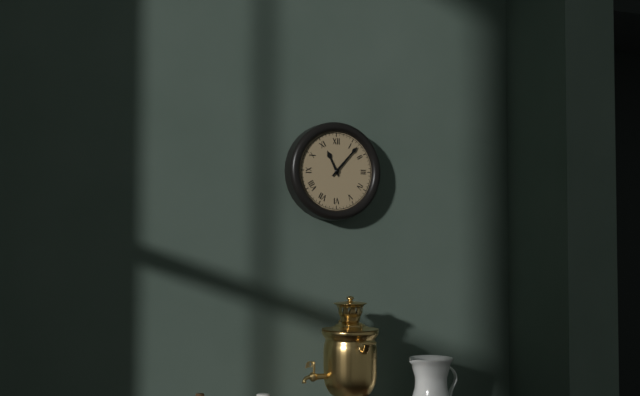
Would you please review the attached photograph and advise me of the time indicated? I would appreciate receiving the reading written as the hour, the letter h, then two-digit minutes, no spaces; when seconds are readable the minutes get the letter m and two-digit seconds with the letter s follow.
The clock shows 11h07
